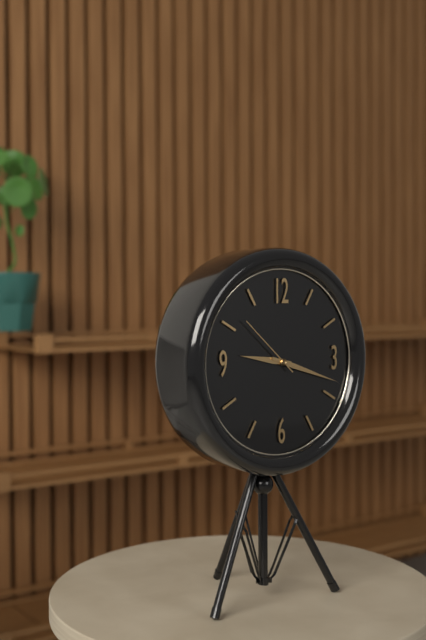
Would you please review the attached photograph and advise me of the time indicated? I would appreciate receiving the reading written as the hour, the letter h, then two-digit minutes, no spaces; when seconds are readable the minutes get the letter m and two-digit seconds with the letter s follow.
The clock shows 9h18m52s
